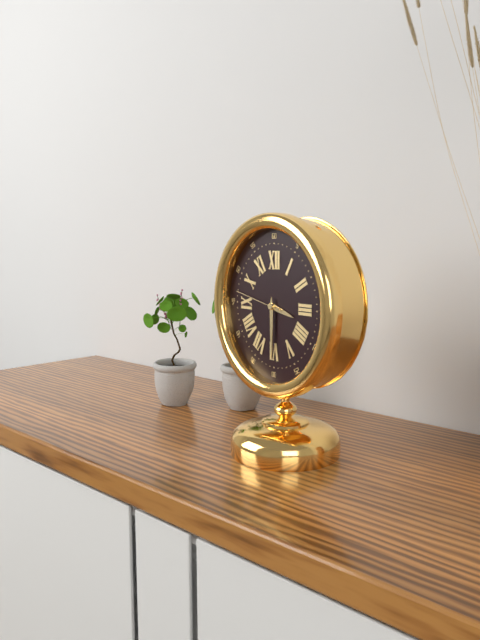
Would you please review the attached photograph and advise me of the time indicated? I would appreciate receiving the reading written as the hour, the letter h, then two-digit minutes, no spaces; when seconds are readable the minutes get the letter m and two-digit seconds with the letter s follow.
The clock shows 3h30
